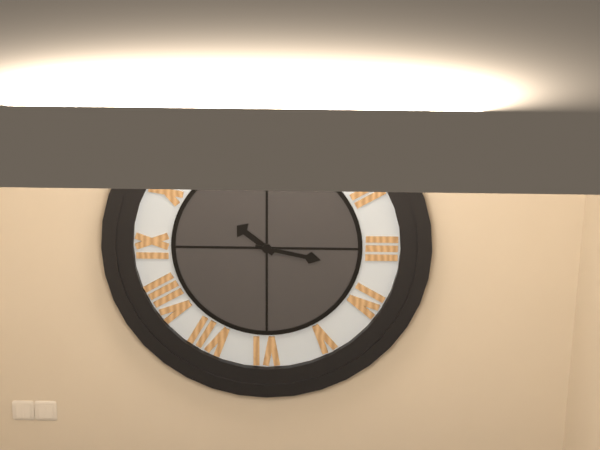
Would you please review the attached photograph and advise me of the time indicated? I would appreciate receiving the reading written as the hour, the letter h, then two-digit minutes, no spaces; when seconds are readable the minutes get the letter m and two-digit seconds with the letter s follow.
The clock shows 10h17
